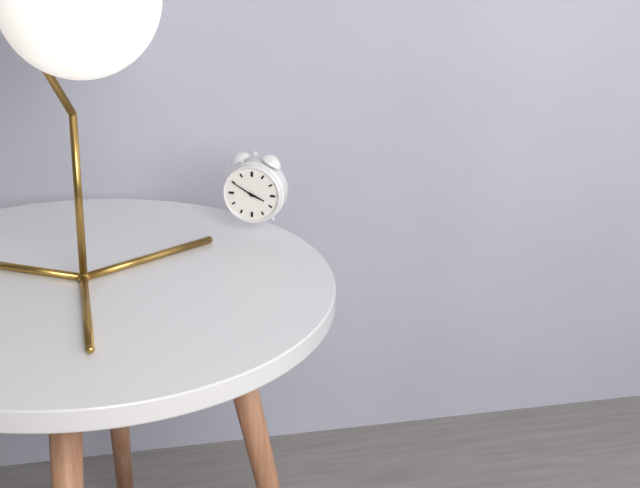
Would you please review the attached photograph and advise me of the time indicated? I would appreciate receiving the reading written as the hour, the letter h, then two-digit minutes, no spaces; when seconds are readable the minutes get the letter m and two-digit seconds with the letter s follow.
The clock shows 3h50
